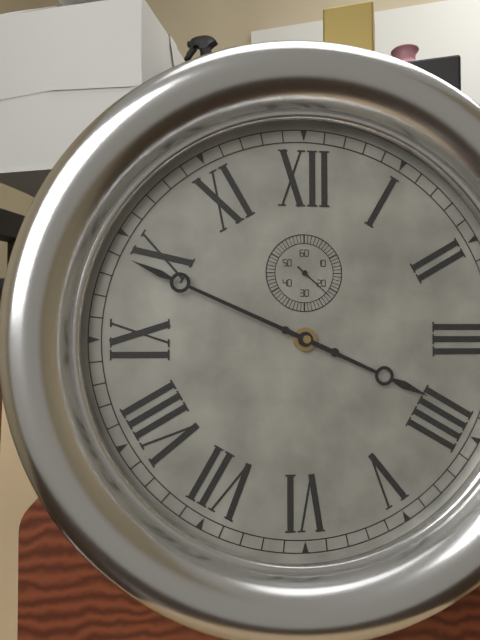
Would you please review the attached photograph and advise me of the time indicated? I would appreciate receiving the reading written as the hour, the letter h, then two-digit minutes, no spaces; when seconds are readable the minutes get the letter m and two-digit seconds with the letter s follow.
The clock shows 3h49
